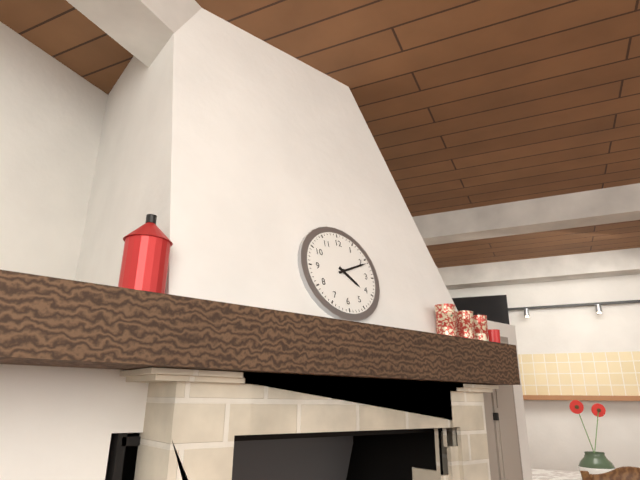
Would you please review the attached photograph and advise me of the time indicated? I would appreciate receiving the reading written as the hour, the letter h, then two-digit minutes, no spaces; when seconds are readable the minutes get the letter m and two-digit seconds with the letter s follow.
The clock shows 4h11
